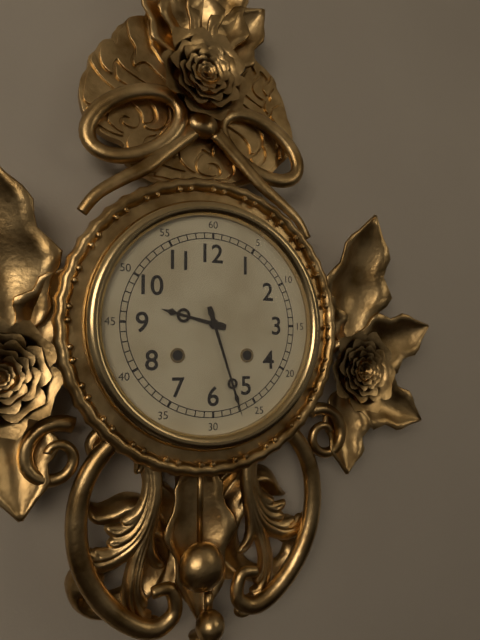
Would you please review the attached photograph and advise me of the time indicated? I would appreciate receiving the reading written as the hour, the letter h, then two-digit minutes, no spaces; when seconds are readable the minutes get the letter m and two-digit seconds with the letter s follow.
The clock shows 9h27
